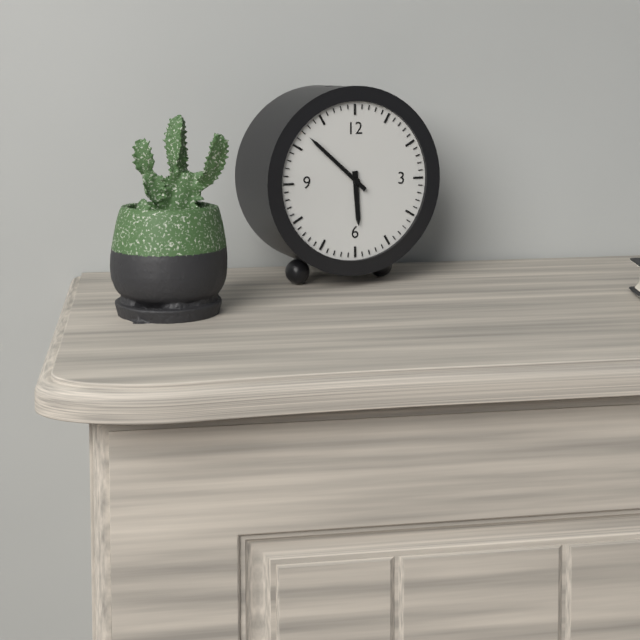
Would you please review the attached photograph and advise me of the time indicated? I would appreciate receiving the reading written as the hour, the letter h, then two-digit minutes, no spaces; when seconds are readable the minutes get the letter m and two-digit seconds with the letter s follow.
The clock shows 5h52
